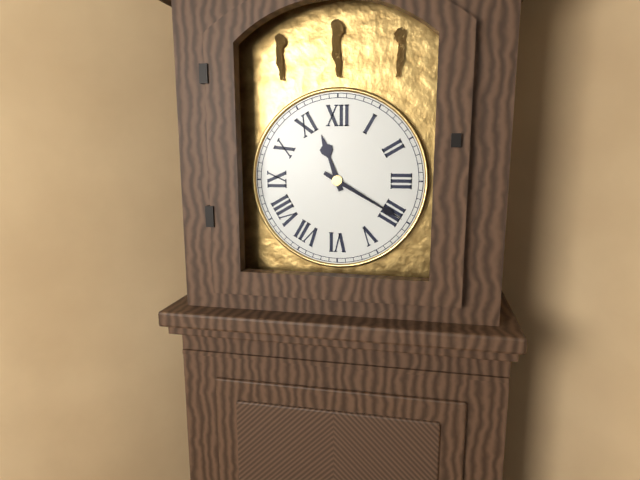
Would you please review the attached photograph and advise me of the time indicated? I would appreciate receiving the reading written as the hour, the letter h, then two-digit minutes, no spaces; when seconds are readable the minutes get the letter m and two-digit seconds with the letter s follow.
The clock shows 11h20
